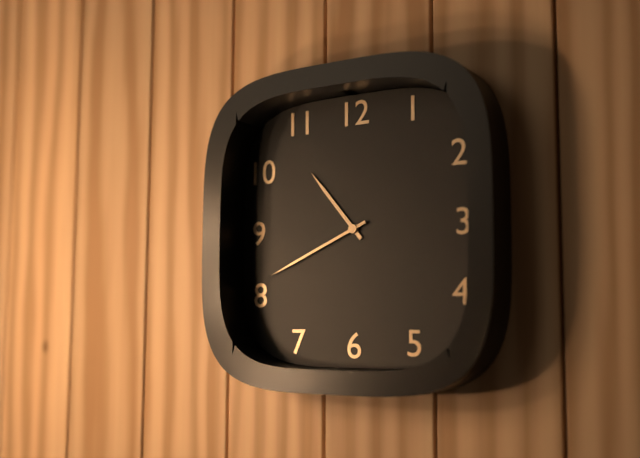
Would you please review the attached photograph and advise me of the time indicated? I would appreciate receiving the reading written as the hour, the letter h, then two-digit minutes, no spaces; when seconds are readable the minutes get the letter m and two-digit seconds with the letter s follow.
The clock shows 10h41
